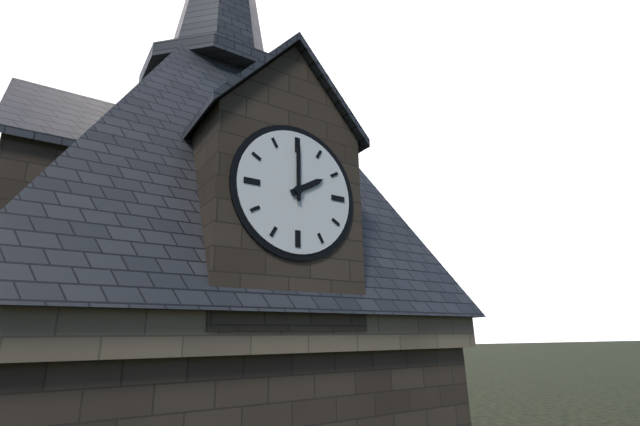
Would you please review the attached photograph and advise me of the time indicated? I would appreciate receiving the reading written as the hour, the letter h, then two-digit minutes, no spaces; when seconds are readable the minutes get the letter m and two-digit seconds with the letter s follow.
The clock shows 2h00
